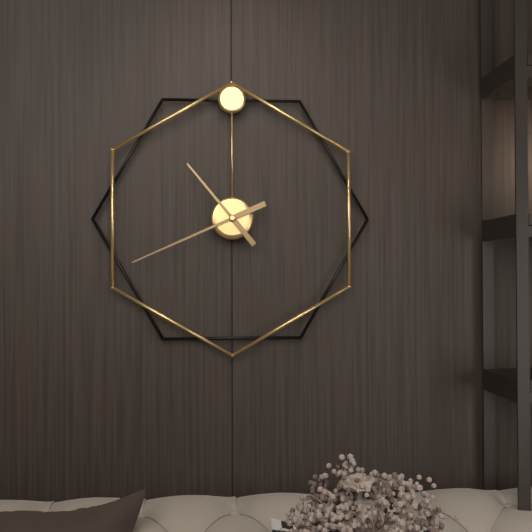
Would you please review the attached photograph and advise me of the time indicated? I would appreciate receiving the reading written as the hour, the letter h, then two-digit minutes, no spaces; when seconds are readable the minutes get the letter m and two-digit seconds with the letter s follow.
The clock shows 10h41
